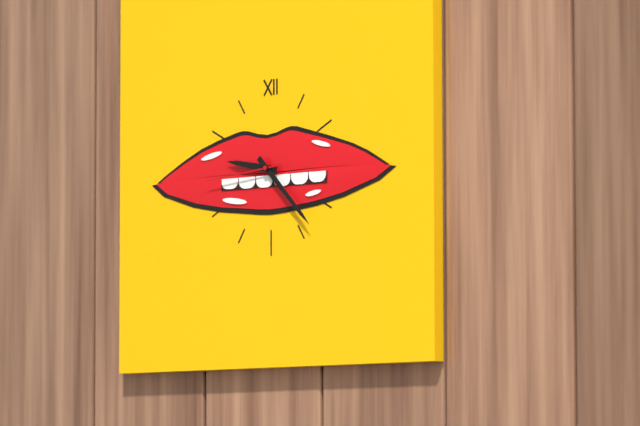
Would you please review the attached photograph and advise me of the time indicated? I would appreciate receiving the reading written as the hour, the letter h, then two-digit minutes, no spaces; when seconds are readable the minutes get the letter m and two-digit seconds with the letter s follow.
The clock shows 9h23m44s
